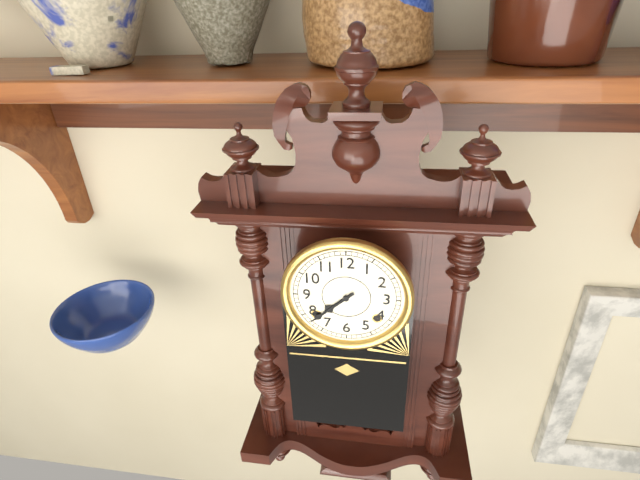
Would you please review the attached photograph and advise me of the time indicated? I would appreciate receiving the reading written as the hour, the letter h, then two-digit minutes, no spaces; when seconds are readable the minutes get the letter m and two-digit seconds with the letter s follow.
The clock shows 7h38
